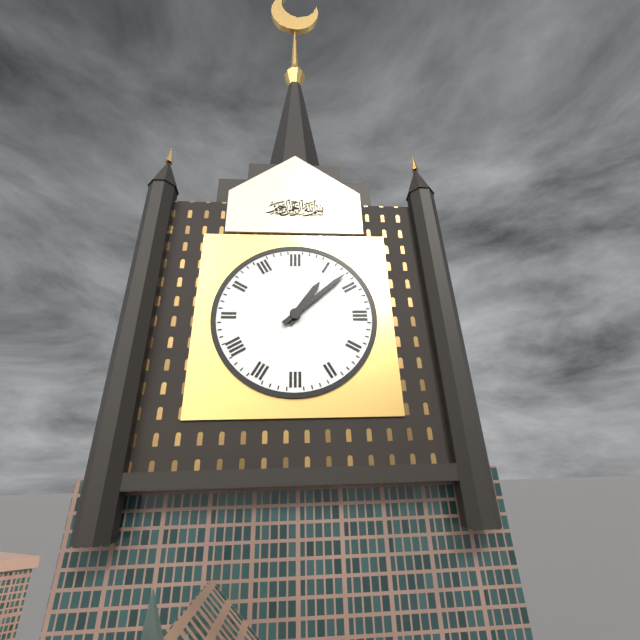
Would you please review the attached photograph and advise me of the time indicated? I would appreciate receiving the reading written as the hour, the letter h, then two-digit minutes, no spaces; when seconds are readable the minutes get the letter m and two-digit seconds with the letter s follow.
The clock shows 1h08
